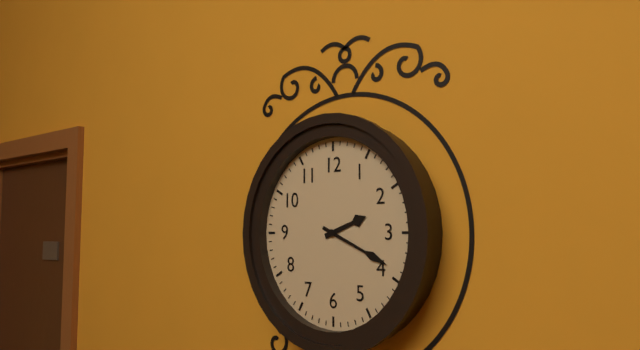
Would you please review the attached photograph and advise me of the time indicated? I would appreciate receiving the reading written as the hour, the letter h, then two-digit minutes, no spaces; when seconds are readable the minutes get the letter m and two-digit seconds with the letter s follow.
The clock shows 2h19
